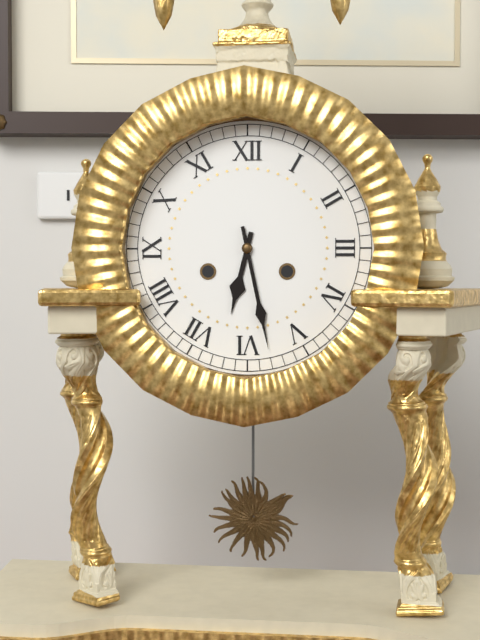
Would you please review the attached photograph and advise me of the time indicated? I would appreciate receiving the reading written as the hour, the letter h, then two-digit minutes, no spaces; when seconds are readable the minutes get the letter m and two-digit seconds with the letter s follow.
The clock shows 6h28
